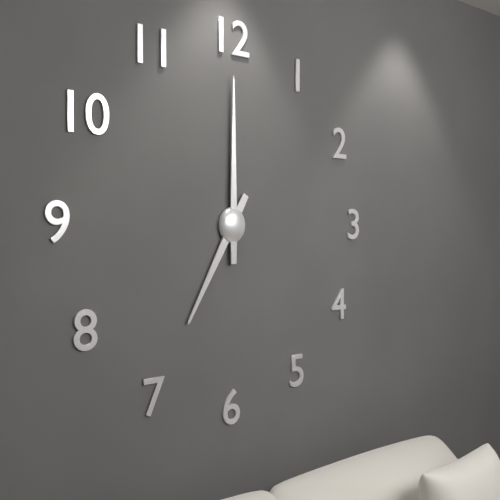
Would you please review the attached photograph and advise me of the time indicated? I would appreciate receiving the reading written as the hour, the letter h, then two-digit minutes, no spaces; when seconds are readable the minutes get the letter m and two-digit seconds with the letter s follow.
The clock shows 7h00
